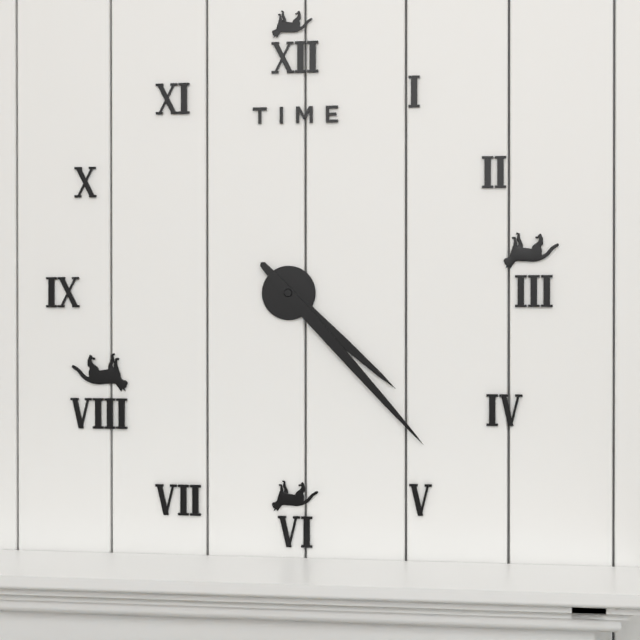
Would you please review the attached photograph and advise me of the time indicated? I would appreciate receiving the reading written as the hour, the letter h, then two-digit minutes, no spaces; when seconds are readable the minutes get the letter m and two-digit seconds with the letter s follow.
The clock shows 4h23
